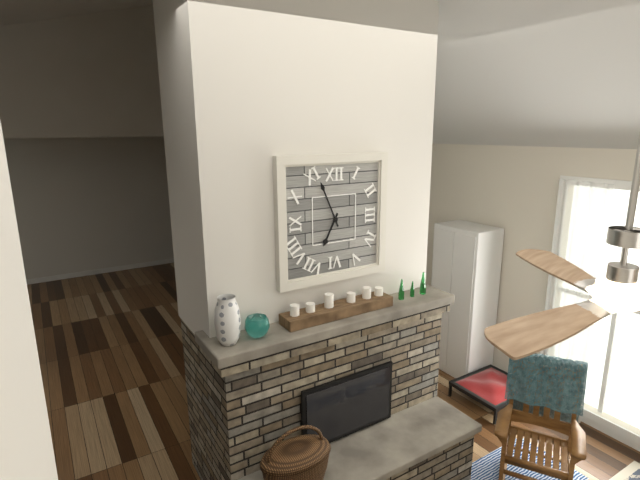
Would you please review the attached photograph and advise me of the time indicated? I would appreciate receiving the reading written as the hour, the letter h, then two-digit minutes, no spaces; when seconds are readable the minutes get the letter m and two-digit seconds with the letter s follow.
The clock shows 6h56
